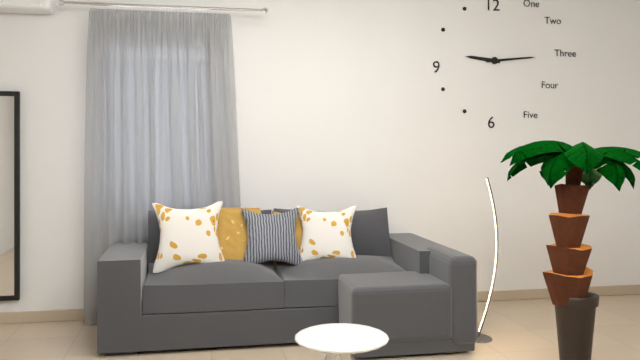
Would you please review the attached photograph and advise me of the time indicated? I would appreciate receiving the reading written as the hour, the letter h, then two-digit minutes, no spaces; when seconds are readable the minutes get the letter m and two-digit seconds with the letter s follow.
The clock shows 9h14
